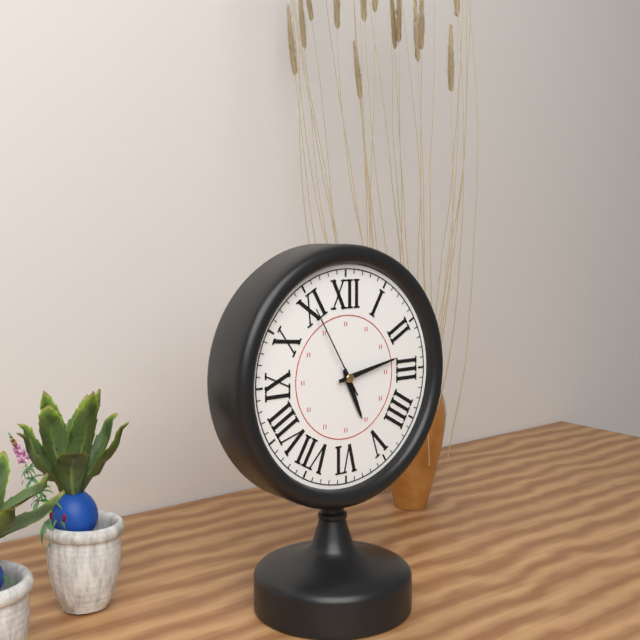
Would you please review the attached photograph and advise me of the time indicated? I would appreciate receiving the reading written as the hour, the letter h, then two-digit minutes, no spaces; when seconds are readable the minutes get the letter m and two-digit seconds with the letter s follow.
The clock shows 5h13m55s
